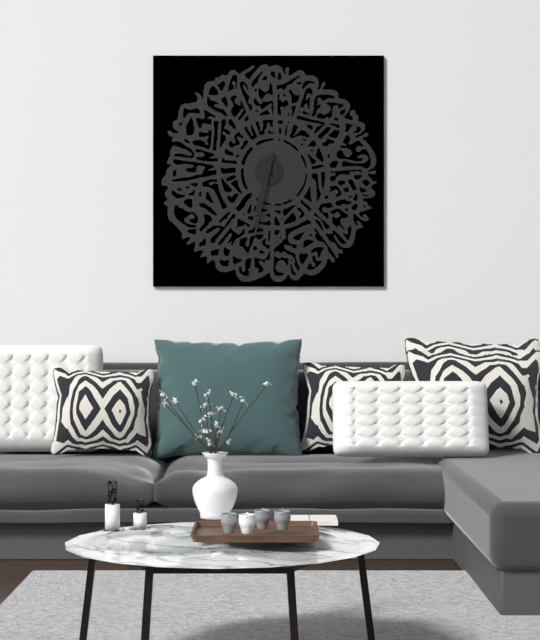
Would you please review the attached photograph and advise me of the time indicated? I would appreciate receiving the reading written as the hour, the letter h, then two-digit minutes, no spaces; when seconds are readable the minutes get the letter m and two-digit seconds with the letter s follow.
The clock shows 6h32
